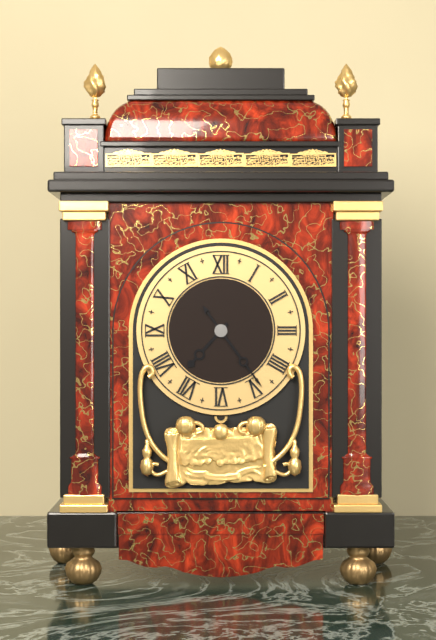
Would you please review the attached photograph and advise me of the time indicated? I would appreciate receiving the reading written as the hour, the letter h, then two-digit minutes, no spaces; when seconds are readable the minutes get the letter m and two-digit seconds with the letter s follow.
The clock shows 7h24
